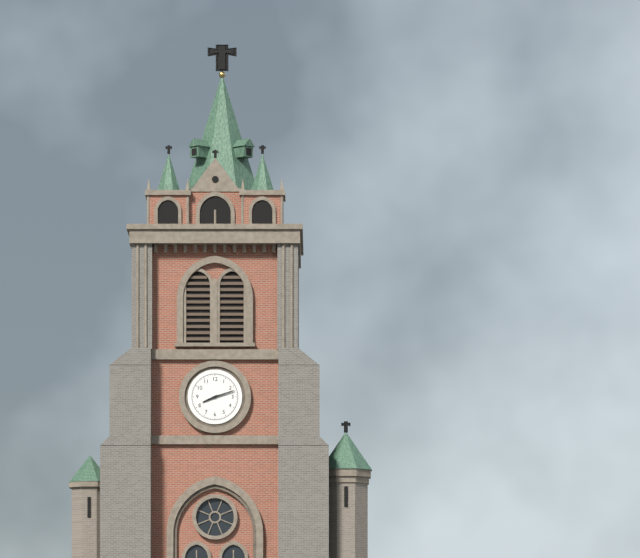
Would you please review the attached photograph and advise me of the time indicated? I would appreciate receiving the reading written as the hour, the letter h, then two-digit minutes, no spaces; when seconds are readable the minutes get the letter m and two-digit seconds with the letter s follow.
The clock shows 8h12
